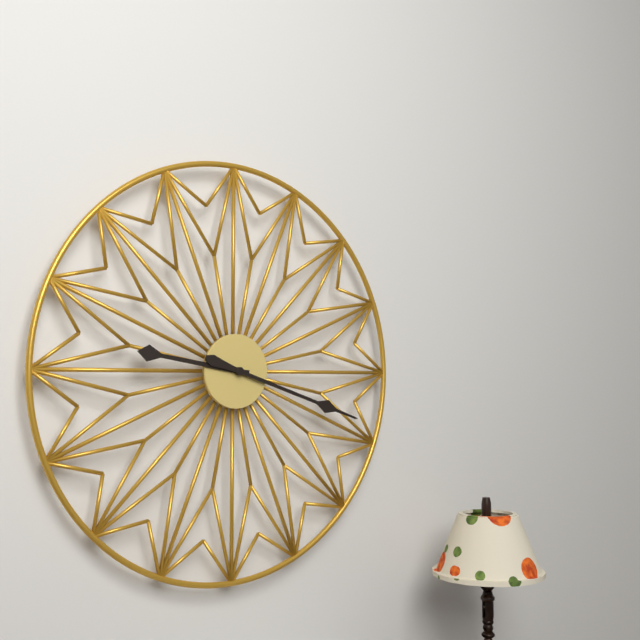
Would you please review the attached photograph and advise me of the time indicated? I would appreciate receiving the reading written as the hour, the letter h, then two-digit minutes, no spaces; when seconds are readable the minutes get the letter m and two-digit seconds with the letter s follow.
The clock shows 9h18
